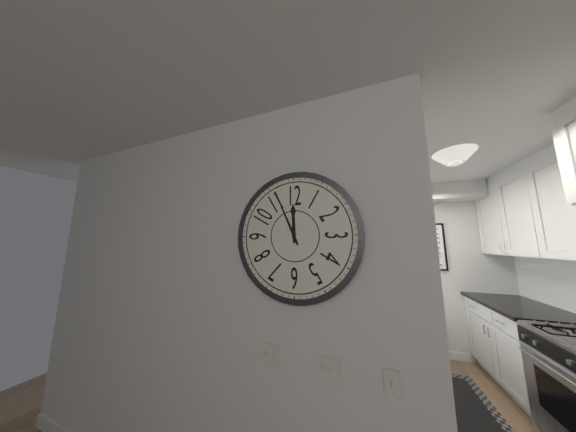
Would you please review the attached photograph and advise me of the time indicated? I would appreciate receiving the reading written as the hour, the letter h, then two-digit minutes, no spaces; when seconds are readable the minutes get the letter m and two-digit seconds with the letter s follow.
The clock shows 11h56
